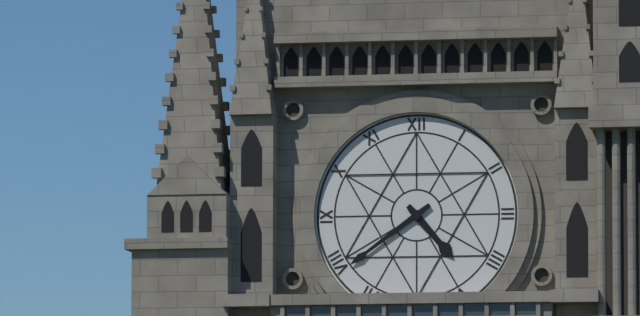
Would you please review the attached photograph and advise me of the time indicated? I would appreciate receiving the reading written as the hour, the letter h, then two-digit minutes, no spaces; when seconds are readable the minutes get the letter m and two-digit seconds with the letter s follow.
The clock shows 4h39
